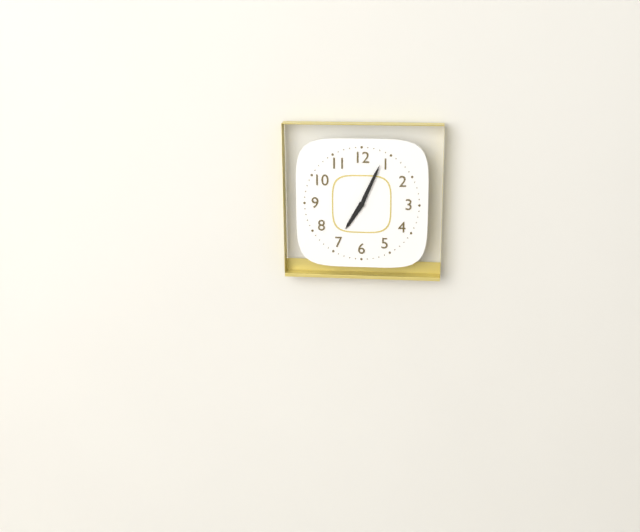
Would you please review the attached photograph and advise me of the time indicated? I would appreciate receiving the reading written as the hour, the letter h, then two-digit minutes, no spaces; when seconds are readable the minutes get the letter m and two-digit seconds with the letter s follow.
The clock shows 7h04
